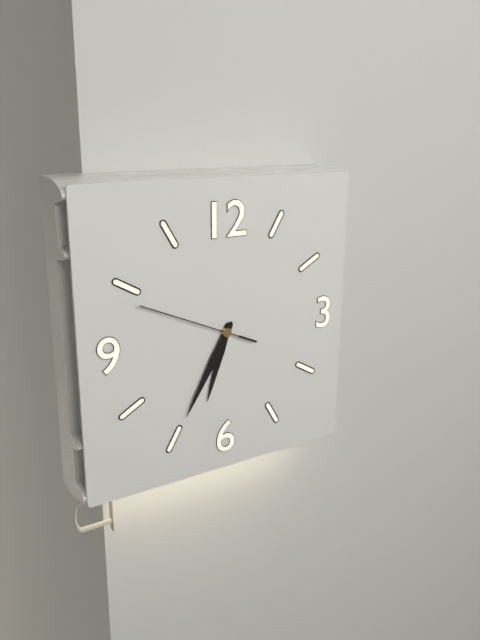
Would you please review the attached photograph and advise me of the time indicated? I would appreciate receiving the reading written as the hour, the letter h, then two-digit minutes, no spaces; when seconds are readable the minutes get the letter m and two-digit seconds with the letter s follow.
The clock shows 6h35m49s
